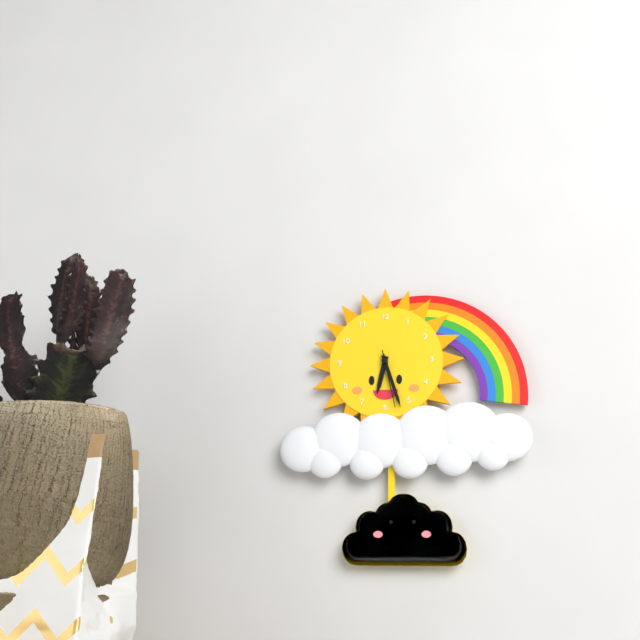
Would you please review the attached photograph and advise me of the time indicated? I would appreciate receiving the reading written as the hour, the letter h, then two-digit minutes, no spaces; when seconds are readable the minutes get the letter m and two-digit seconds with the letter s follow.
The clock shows 6h27m28s
